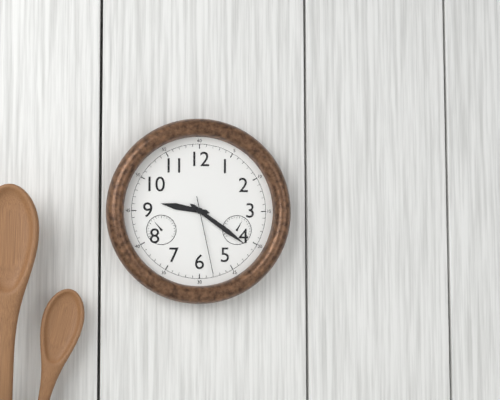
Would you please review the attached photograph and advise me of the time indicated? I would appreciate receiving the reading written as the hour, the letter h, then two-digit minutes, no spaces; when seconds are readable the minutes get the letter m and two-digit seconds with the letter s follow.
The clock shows 9h21m28s
